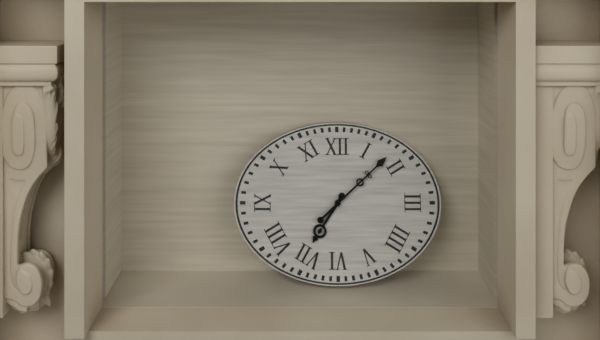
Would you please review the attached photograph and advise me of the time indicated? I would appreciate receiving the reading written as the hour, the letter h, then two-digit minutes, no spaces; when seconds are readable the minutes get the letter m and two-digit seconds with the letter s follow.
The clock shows 7h08
